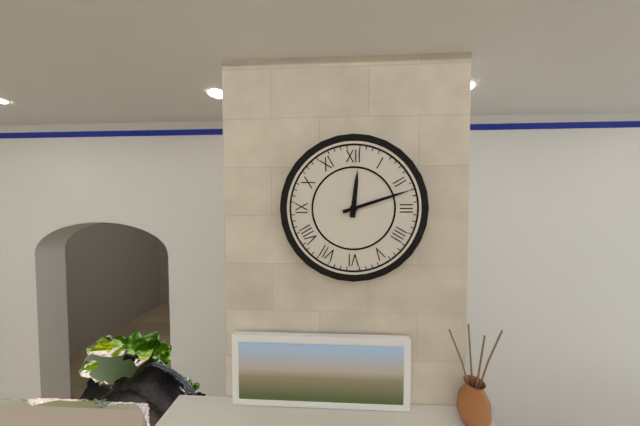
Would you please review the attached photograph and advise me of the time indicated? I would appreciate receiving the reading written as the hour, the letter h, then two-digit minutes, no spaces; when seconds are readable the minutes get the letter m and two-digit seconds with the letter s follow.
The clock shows 12h12
